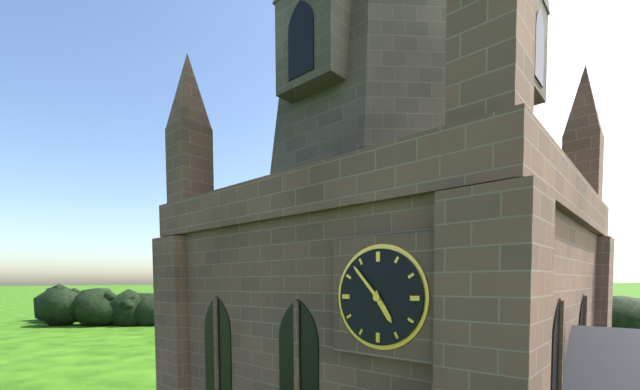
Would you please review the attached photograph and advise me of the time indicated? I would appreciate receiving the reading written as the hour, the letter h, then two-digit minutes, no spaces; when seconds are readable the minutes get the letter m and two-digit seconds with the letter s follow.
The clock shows 4h53
